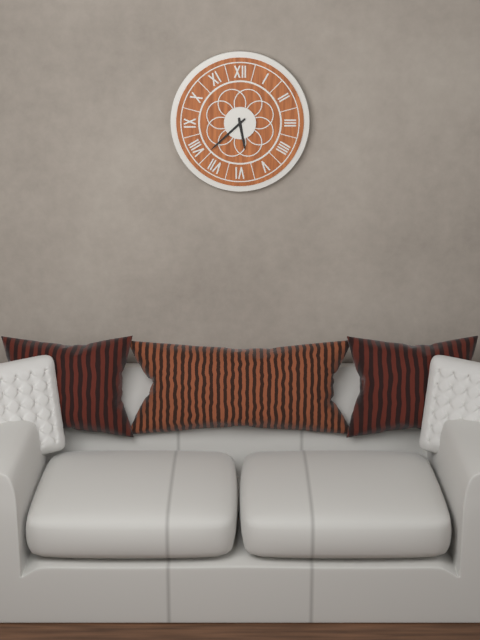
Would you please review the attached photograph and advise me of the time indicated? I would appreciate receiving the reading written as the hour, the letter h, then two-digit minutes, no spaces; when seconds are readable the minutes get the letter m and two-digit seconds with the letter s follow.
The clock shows 5h38
